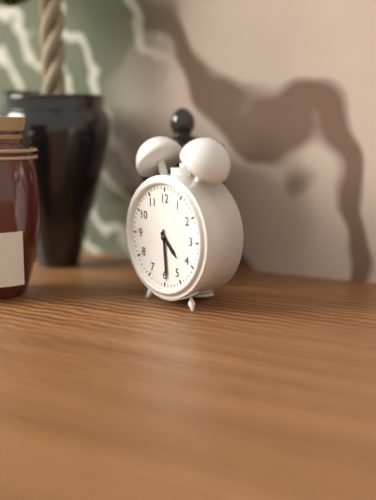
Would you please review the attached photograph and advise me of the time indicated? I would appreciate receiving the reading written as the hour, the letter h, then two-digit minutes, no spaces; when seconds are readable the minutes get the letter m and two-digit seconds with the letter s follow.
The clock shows 4h29
